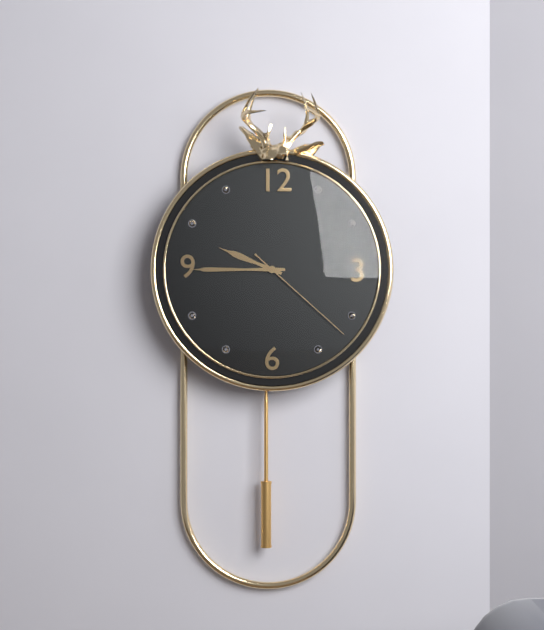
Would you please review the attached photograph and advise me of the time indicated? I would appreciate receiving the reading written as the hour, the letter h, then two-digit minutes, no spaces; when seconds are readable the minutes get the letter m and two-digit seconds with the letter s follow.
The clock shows 9h45m22s
